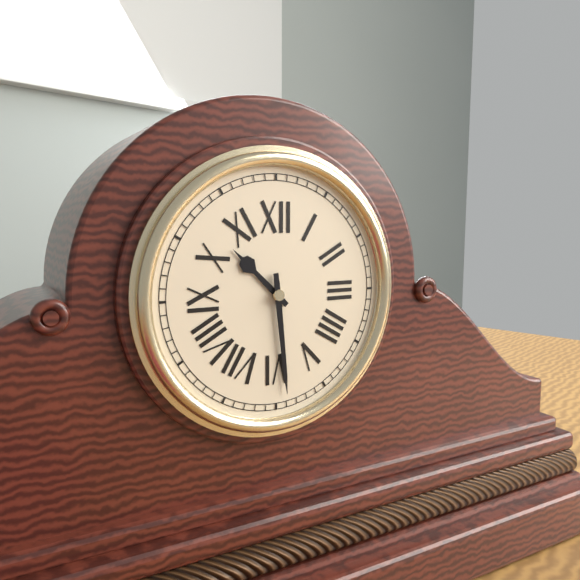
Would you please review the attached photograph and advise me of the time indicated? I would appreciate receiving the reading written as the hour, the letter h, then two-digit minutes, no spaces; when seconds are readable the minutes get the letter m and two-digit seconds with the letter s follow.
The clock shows 10h29
